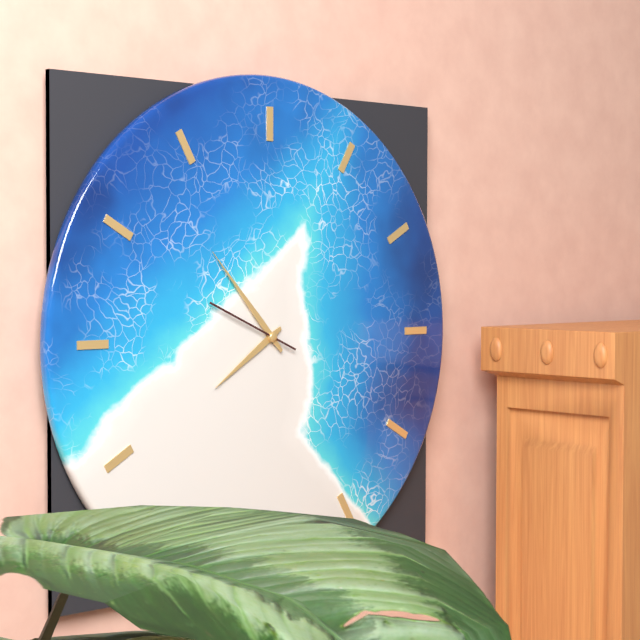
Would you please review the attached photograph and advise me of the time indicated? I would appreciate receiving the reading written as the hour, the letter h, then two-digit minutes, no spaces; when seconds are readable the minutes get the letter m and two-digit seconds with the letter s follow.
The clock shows 7h53m49s
